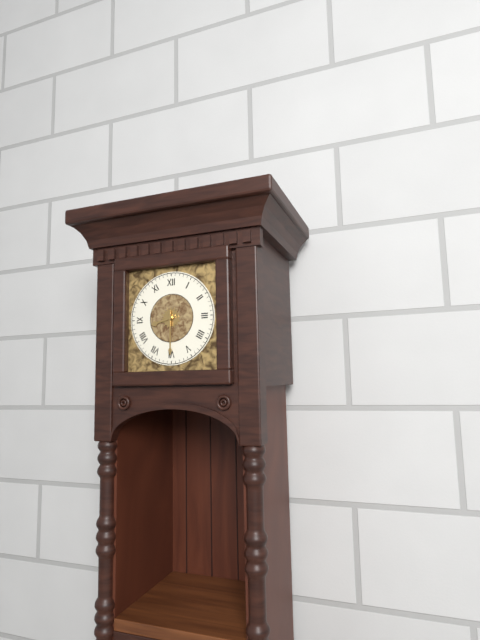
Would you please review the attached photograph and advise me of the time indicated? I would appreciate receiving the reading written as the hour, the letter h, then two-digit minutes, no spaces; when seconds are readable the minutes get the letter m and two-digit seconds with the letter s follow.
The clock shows 8h30
